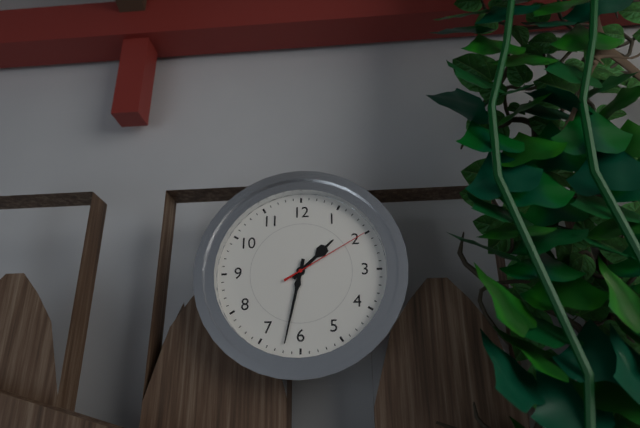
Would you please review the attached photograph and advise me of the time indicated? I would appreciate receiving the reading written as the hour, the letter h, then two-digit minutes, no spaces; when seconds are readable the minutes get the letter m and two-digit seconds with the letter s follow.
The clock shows 1h32m10s
